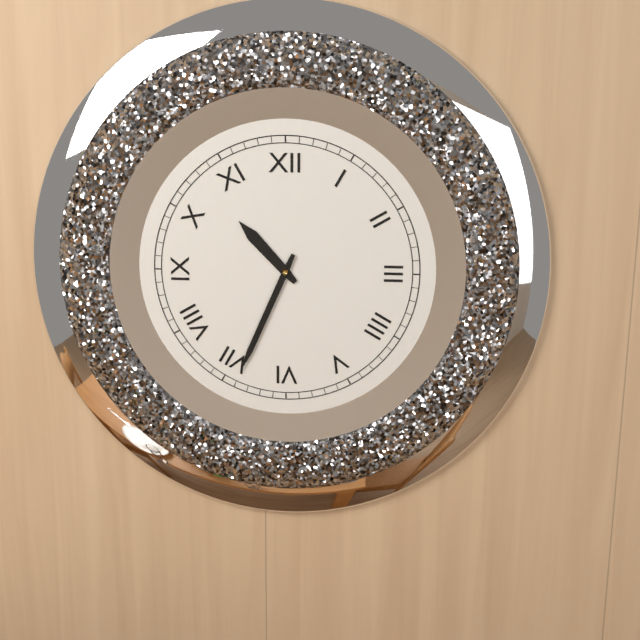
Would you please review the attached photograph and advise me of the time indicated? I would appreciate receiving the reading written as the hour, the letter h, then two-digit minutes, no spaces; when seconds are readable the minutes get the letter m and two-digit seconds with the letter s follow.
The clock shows 10h34
